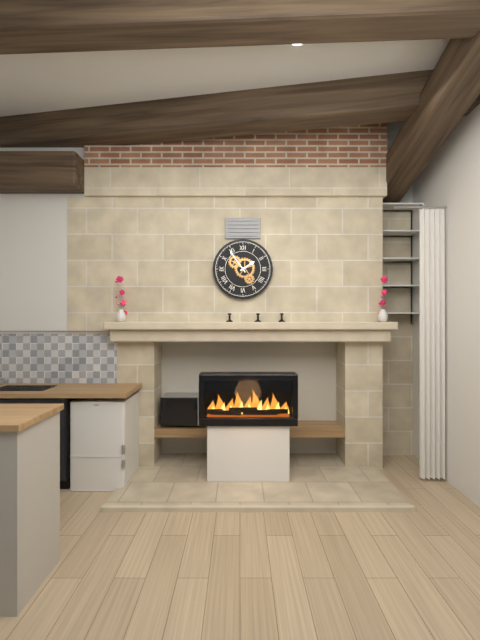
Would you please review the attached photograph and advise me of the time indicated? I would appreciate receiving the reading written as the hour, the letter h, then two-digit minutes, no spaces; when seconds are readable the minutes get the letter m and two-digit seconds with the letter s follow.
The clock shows 1h54
